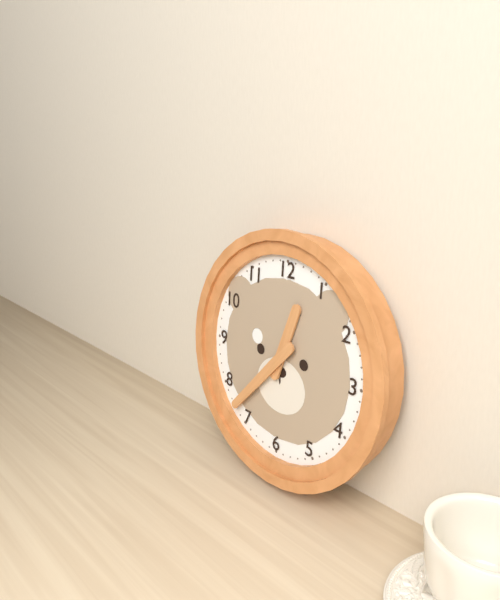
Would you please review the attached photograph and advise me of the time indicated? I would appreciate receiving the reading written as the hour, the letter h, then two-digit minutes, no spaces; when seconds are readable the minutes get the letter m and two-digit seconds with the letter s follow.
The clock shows 12h37
